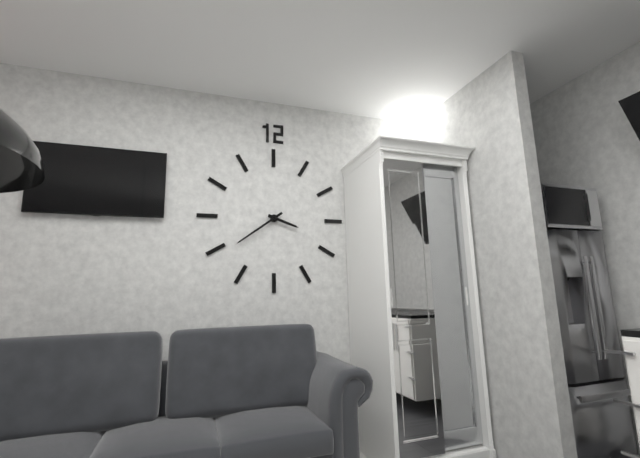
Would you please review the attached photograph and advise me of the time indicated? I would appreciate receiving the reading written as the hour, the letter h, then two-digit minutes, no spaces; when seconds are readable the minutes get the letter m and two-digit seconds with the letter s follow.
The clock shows 3h39
